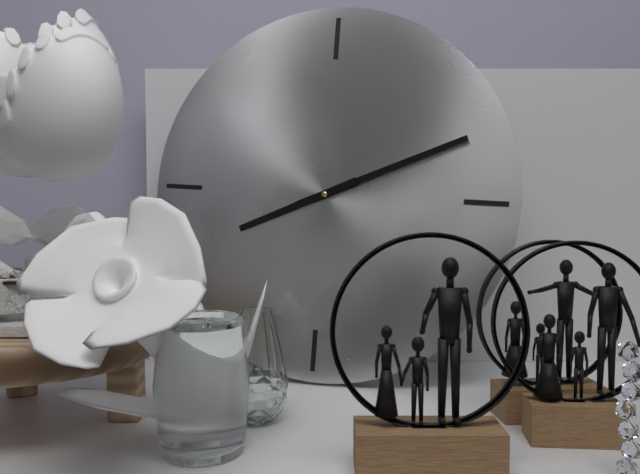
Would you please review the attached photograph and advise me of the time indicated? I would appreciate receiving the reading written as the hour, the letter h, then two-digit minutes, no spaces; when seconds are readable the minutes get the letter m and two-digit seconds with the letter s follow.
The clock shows 8h11
